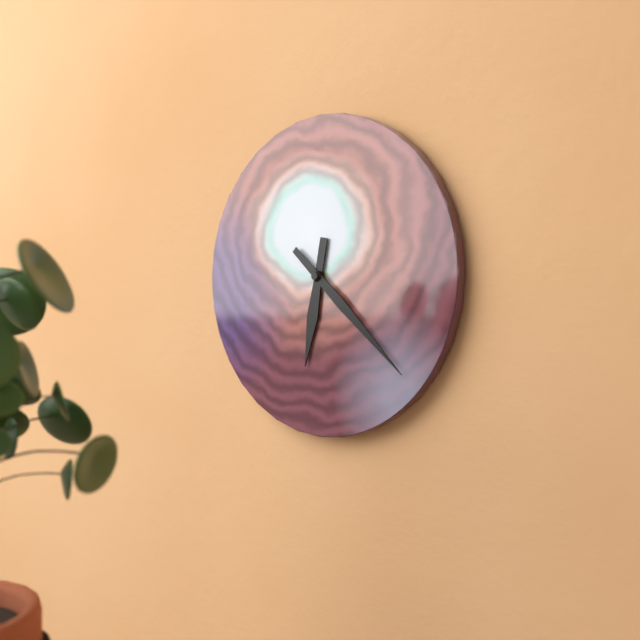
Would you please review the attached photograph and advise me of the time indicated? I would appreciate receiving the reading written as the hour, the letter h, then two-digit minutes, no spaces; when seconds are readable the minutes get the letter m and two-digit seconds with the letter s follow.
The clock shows 6h22
